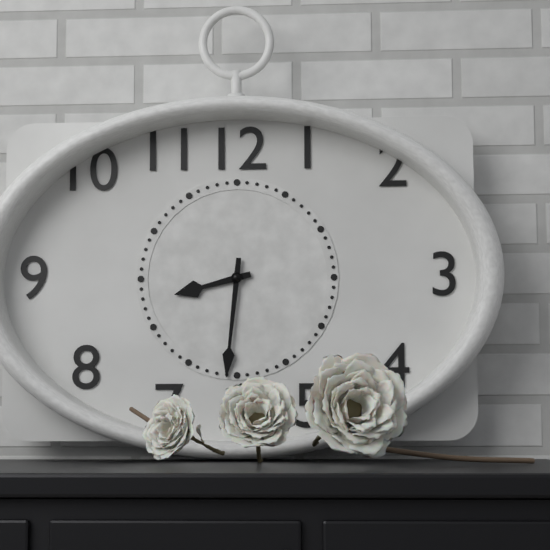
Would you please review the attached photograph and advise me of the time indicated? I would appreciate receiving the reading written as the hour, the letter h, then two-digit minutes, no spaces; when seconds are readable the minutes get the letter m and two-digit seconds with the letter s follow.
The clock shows 8h31
